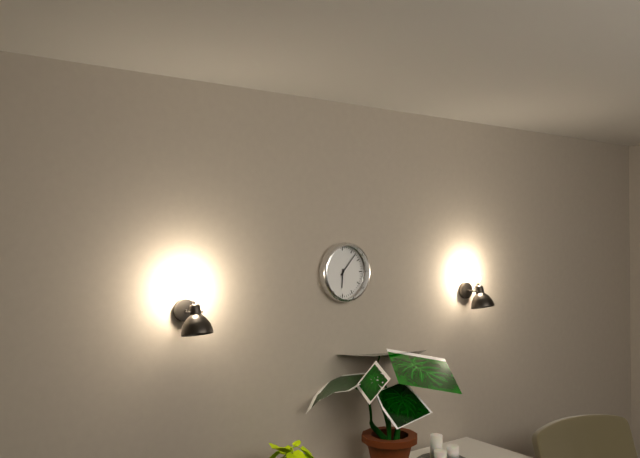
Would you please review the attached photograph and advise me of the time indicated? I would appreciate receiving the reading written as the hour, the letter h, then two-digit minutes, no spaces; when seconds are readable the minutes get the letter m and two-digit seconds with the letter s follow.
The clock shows 6h07
